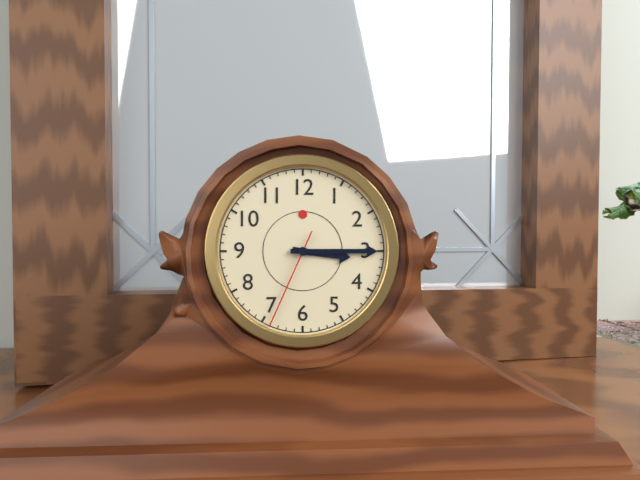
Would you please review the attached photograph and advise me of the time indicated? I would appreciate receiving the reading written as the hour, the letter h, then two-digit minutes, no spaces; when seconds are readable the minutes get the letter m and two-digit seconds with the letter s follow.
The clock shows 3h15m34s
